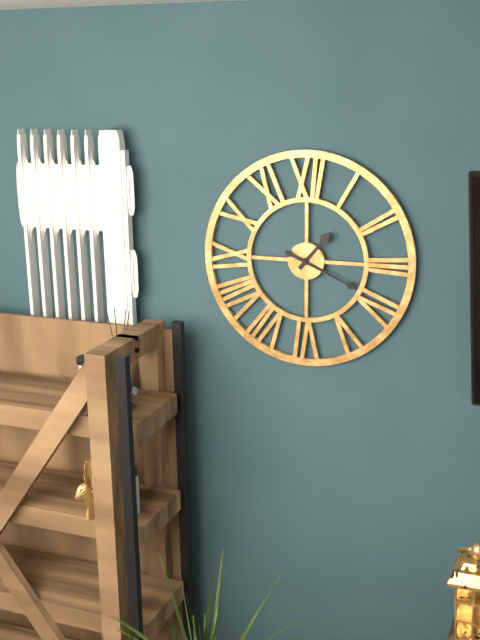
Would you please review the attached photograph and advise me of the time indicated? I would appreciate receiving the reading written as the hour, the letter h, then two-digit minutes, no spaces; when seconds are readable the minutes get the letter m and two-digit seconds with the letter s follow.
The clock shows 1h19
